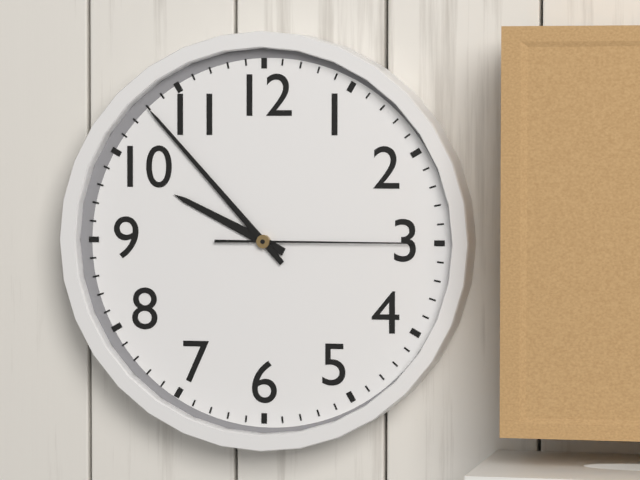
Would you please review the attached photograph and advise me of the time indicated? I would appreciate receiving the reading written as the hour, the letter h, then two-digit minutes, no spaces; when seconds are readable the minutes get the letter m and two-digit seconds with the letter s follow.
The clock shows 9h53m15s
